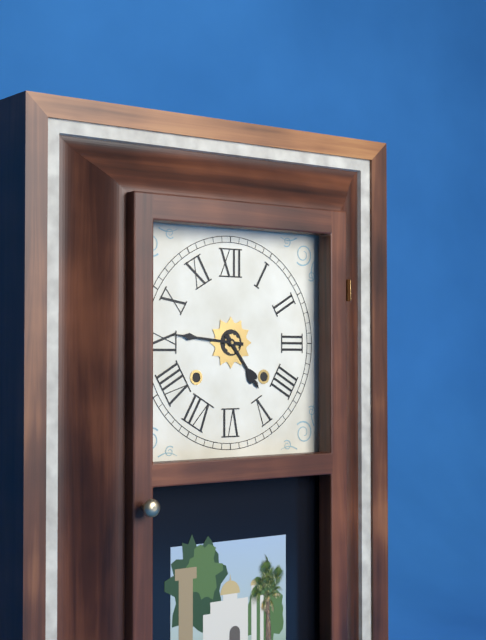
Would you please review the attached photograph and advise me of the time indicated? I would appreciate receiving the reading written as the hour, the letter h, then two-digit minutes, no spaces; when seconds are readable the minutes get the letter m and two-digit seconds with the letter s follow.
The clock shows 4h46
